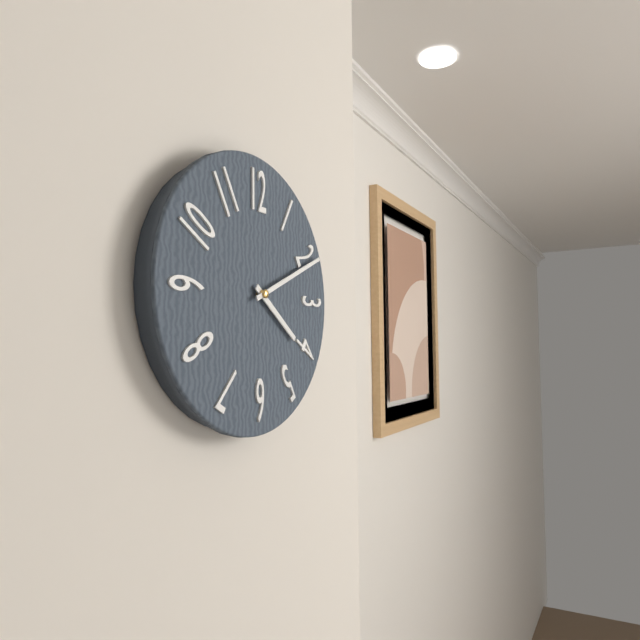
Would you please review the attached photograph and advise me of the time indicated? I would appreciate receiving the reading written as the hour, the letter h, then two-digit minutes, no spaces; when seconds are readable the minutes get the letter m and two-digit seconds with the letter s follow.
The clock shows 4h11
